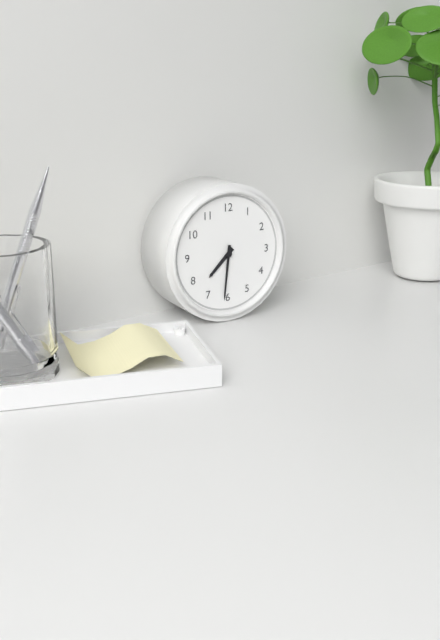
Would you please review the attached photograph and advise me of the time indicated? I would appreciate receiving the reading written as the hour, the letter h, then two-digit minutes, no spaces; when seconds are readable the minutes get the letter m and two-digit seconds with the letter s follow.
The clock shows 7h31
